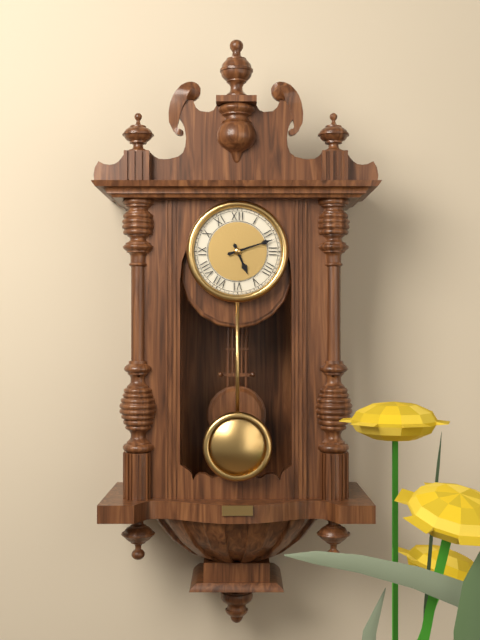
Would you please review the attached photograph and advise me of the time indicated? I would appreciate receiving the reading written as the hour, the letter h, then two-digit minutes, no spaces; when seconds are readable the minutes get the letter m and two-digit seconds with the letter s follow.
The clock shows 5h12
